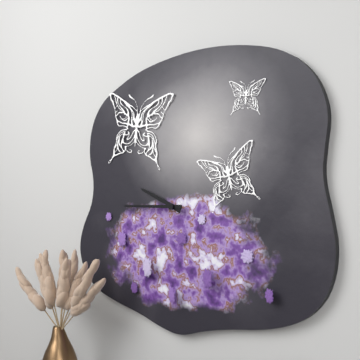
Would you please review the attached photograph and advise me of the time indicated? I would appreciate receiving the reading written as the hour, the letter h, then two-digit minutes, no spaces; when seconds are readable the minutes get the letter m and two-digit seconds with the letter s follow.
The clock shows 9h45
